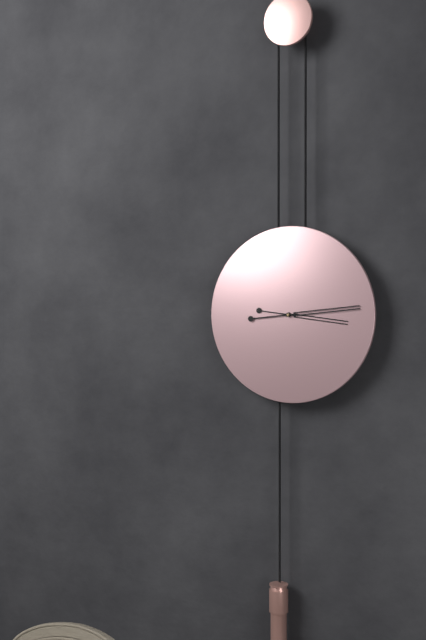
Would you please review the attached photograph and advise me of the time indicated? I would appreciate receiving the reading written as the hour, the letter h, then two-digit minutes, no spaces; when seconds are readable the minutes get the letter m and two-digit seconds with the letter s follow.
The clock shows 3h14
